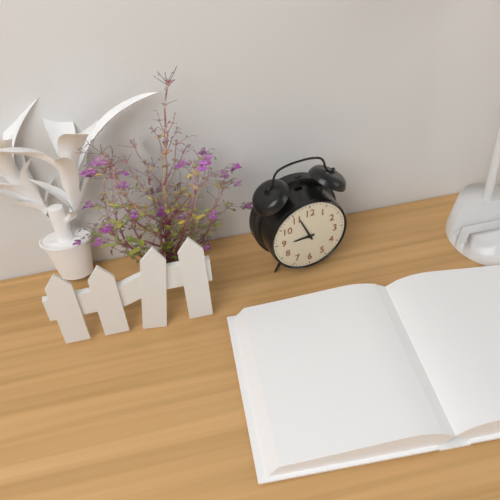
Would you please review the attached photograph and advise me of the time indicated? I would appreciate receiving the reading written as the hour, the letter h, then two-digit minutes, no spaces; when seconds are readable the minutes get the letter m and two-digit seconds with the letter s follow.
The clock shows 8h56
